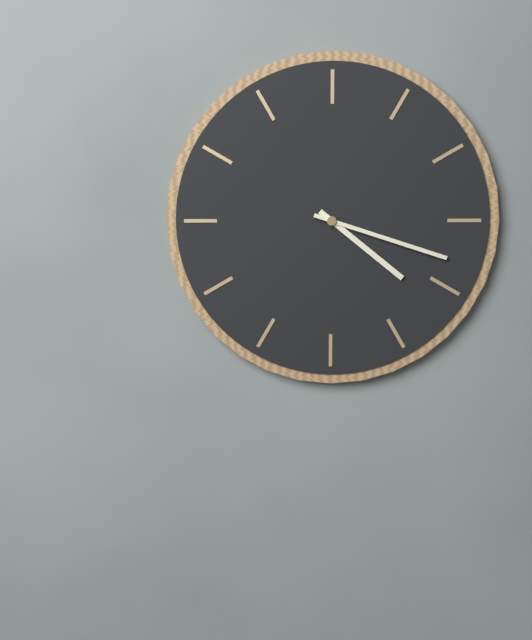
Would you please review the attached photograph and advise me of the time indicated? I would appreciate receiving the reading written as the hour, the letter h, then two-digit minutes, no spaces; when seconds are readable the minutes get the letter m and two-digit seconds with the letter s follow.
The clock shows 4h18
